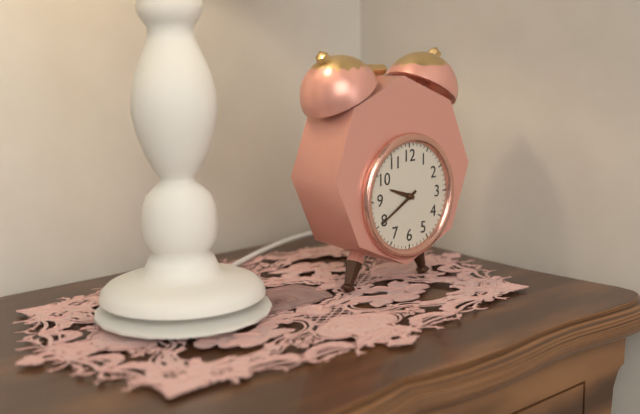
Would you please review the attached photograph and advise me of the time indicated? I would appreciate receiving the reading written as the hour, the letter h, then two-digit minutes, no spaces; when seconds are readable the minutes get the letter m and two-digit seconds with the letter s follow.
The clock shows 9h40
